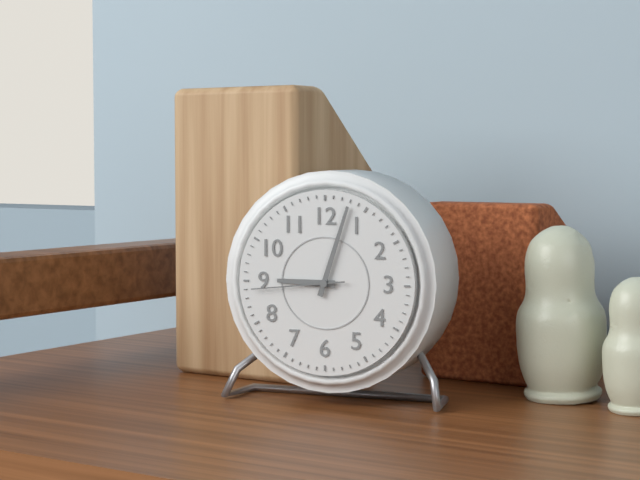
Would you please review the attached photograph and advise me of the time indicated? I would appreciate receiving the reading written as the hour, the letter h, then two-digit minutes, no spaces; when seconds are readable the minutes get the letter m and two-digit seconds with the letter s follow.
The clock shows 9h03m44s
